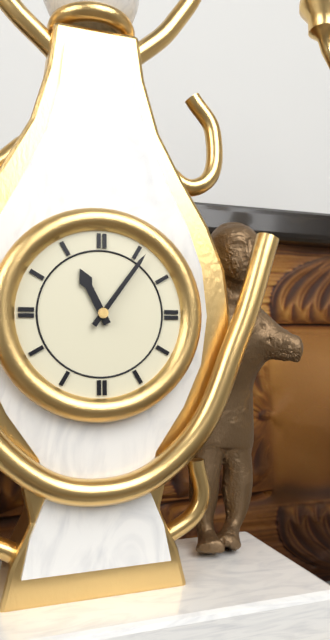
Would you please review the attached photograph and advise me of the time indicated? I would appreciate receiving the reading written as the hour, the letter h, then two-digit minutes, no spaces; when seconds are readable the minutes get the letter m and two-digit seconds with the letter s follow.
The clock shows 11h06
